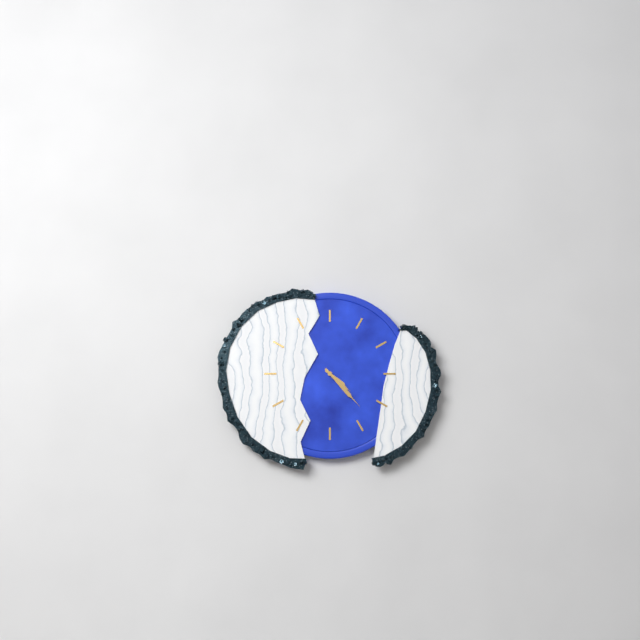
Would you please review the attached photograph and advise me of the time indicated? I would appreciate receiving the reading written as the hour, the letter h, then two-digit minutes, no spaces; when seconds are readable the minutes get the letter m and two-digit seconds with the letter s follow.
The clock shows 4h23
